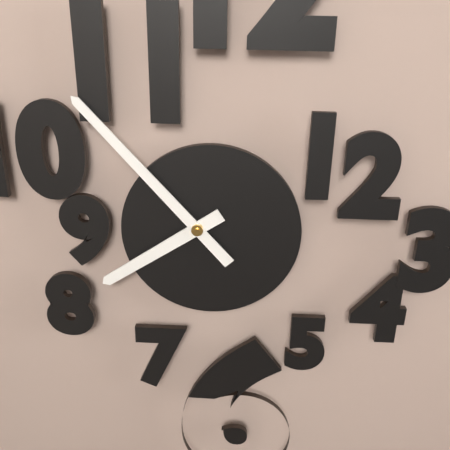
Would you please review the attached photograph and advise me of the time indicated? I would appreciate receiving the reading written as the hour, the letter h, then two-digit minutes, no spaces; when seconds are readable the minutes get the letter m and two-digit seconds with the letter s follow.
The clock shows 7h53
